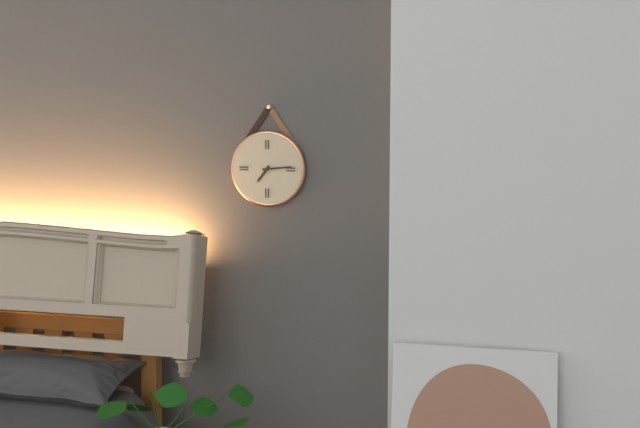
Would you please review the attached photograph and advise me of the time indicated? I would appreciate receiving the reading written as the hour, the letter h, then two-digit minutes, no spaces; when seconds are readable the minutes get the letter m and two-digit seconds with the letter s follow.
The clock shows 7h14
